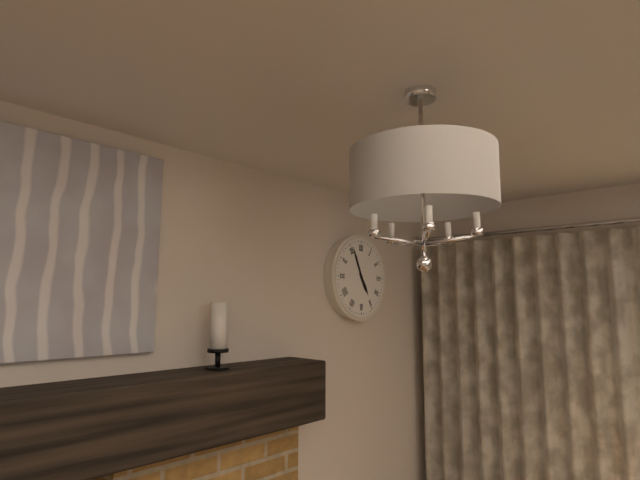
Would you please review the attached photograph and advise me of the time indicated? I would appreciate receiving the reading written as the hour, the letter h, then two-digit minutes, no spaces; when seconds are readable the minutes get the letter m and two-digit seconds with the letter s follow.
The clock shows 4h56
